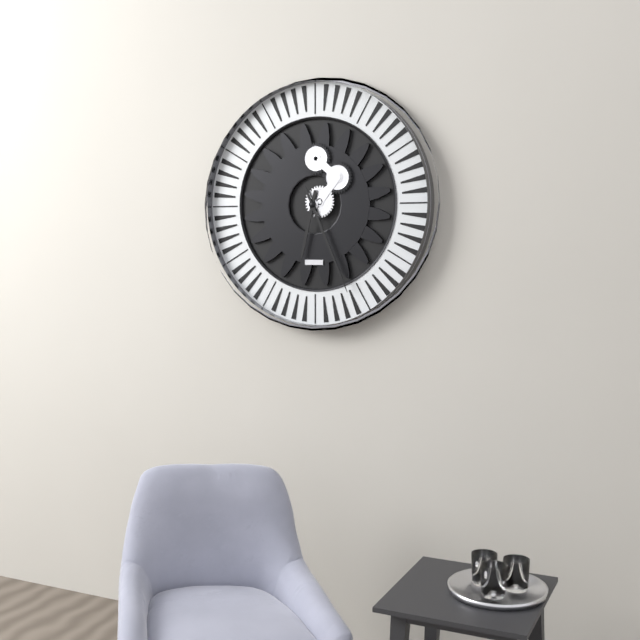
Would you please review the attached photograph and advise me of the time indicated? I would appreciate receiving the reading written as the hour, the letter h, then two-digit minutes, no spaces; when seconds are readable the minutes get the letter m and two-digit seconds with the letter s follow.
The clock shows 6h26
